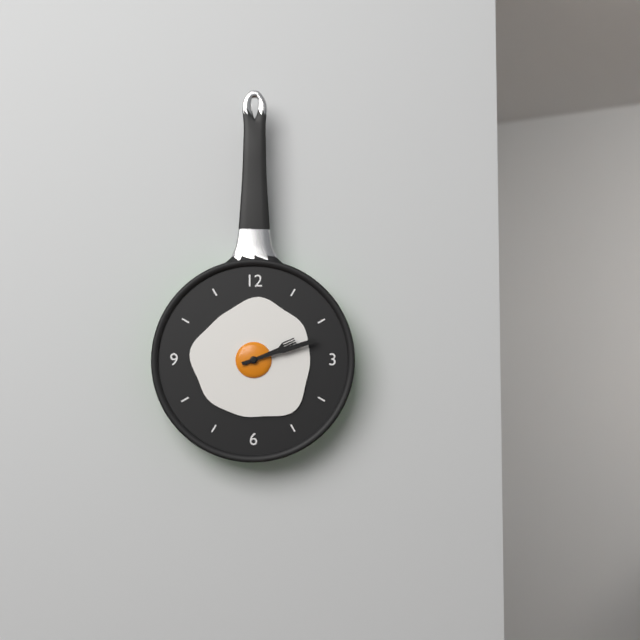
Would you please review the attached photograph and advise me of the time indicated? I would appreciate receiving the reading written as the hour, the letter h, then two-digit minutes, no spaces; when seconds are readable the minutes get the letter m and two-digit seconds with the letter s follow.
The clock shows 2h12
